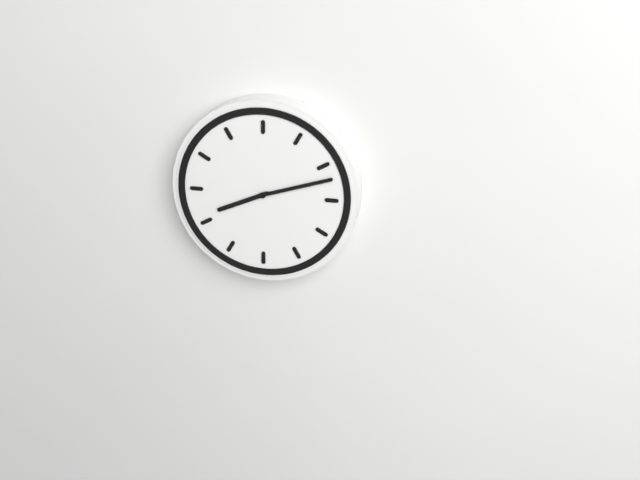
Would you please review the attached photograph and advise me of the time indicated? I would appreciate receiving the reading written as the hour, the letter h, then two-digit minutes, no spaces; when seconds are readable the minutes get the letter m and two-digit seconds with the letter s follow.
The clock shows 8h12
